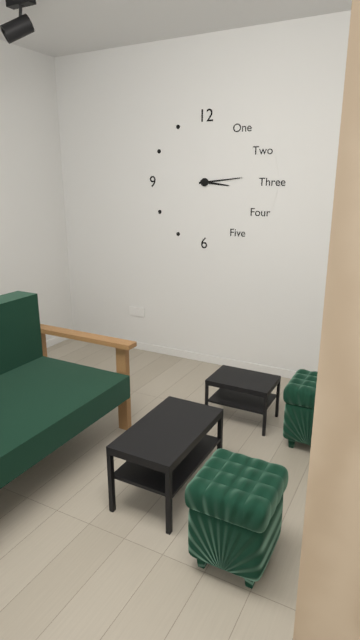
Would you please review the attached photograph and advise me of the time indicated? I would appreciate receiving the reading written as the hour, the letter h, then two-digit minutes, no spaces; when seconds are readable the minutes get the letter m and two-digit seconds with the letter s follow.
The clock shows 3h14
